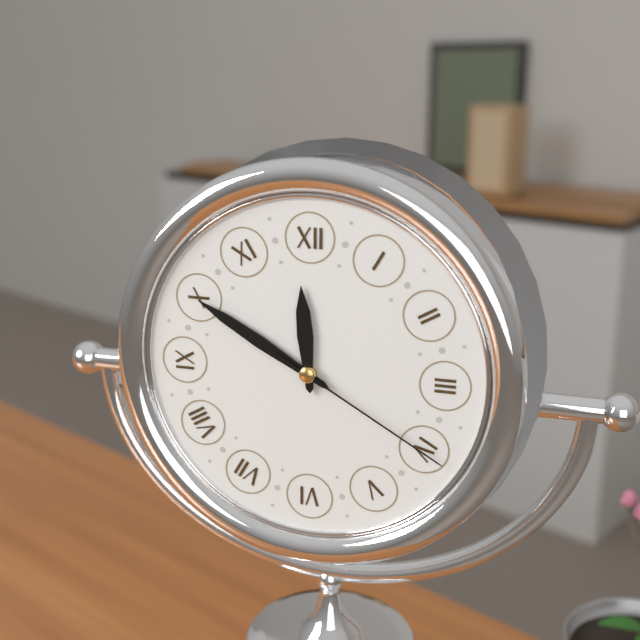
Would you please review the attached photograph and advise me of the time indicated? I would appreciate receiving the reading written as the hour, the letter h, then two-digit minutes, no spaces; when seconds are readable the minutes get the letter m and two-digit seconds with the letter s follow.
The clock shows 11h50m20s
